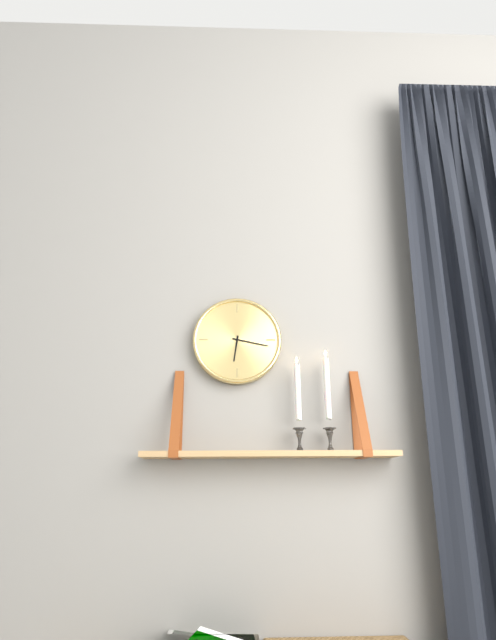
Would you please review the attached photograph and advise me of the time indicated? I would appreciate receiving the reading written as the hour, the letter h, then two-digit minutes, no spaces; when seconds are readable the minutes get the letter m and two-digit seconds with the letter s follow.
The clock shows 6h17
